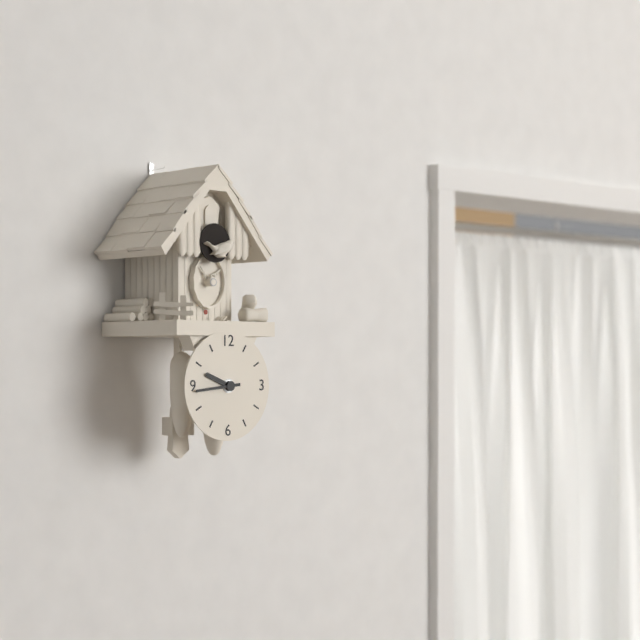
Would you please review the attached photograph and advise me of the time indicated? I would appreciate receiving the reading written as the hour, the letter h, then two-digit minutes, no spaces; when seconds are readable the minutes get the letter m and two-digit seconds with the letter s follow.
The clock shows 9h44
